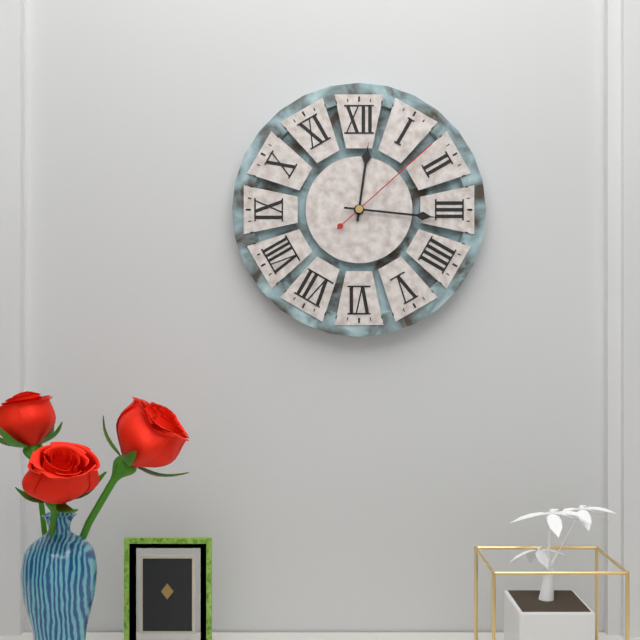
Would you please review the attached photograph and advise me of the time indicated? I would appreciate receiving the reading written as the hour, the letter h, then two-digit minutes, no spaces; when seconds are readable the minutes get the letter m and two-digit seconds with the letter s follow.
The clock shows 12h16m08s
